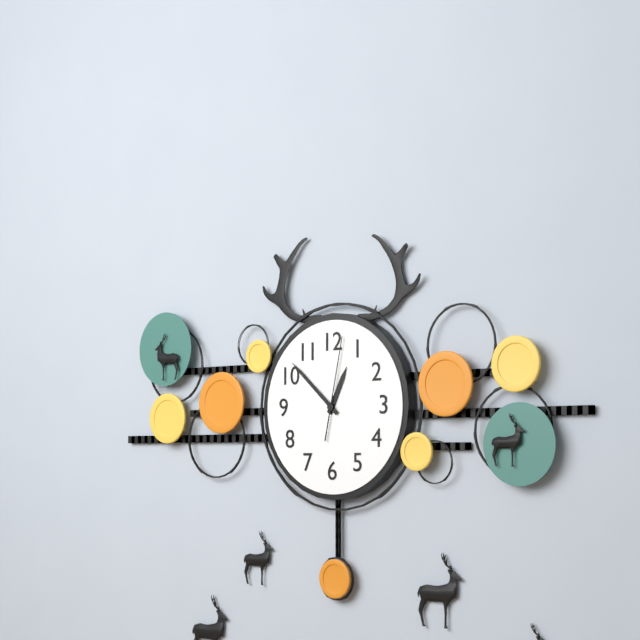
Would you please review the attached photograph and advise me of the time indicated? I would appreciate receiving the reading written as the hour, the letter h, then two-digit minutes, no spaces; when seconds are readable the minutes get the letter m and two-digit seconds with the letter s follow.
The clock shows 12h52m02s
